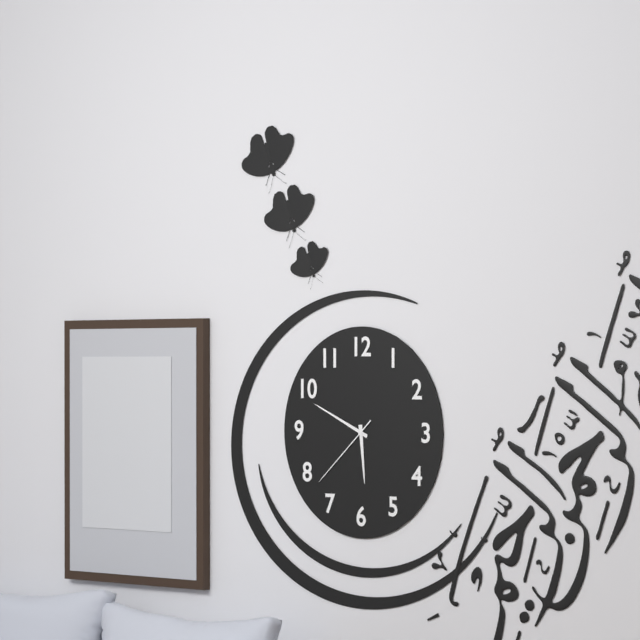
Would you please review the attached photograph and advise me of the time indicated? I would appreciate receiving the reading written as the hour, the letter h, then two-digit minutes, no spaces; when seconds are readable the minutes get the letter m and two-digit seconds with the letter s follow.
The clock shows 5h49m38s
